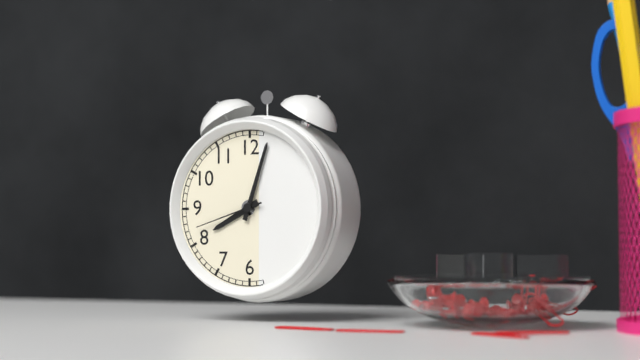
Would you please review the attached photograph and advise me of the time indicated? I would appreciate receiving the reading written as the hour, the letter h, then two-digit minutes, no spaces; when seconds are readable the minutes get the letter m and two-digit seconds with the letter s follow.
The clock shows 8h03m42s
